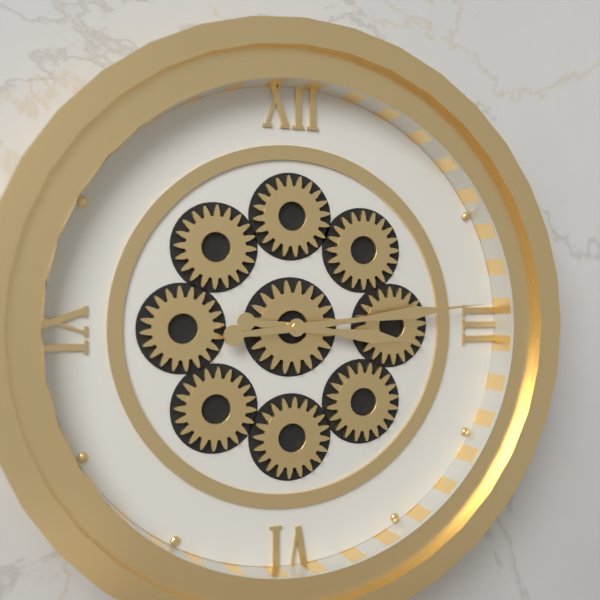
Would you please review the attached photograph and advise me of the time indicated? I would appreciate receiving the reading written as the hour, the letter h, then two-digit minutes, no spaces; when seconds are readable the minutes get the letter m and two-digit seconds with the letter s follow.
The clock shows 3h14
